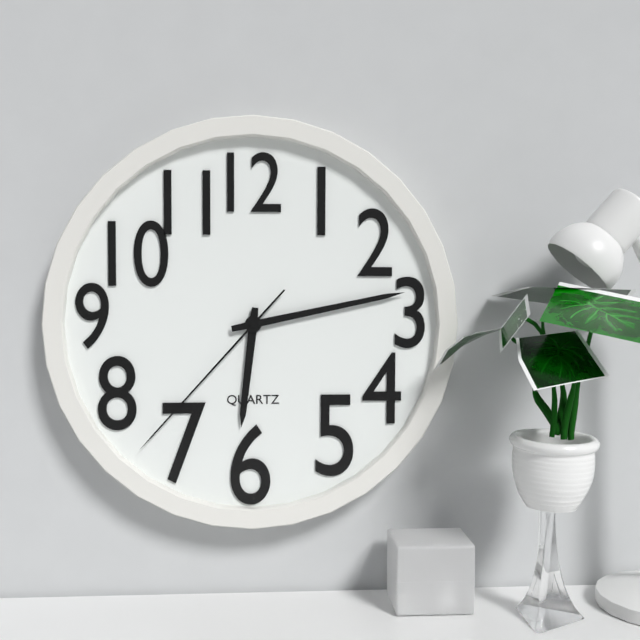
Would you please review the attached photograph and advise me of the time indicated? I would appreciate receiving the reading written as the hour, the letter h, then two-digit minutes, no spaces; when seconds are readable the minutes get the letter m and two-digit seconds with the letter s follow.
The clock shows 6h13m37s
